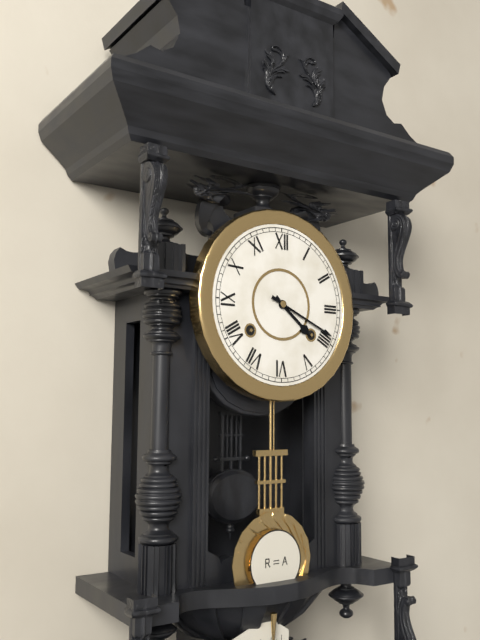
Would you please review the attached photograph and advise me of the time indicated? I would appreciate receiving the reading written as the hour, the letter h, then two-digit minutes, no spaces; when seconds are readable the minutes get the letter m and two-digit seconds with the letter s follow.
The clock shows 4h19
